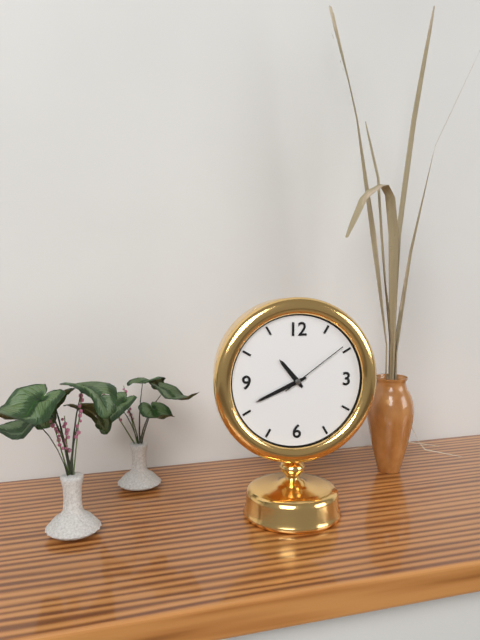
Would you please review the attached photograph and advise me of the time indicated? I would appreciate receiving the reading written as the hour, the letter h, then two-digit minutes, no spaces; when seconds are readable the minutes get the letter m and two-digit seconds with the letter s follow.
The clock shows 10h41m09s
